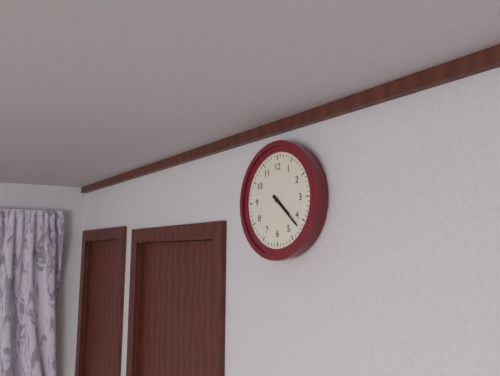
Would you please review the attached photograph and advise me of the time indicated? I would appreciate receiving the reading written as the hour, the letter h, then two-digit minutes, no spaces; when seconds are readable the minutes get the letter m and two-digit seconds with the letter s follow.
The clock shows 4h22
